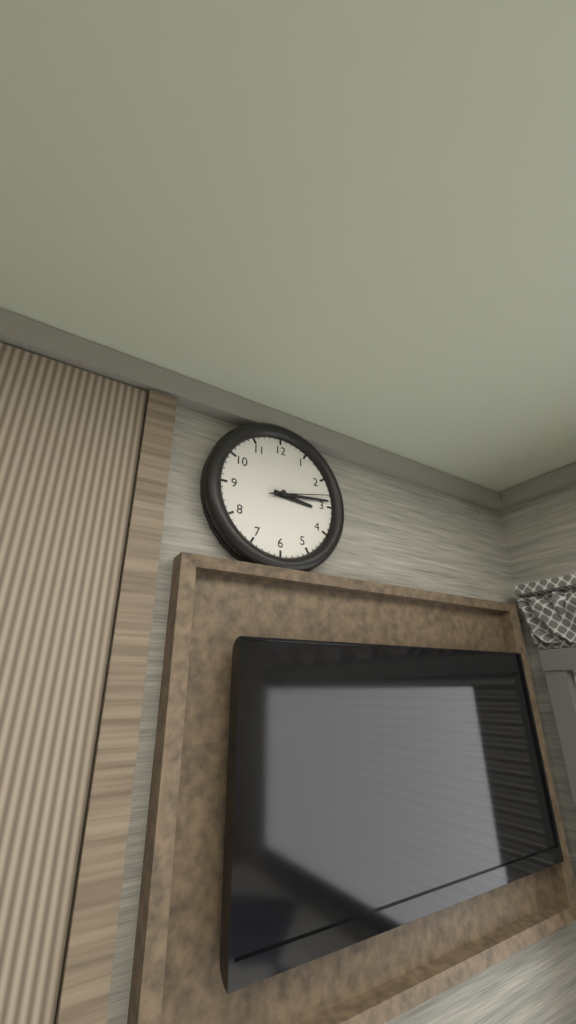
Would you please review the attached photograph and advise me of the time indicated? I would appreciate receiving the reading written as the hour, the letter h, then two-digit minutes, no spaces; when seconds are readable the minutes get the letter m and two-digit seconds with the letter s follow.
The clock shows 3h14m13s
